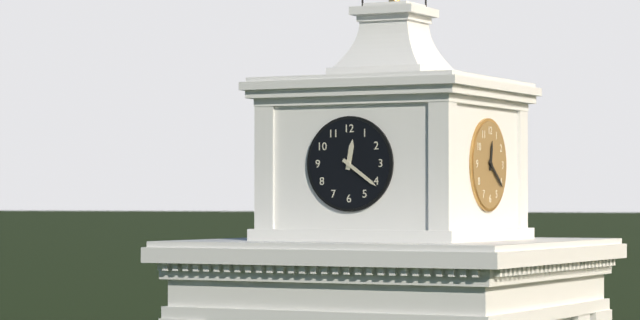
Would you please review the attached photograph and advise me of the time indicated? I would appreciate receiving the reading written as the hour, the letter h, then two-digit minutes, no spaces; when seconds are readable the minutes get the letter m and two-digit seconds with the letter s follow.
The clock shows 12h21
